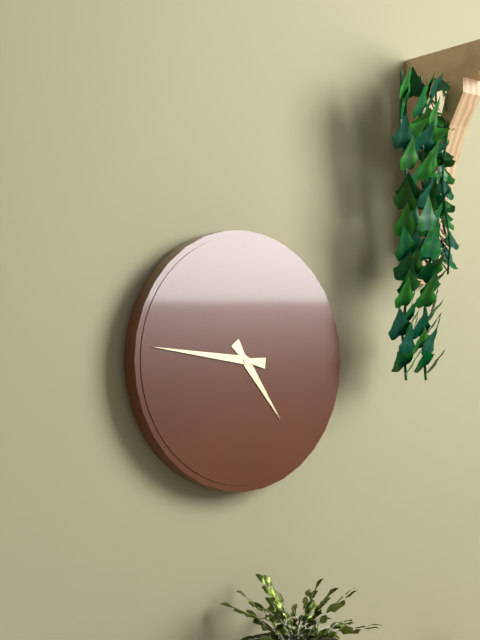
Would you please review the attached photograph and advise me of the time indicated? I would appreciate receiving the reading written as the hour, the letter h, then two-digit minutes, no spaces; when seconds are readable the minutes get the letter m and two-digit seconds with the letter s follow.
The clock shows 4h46
